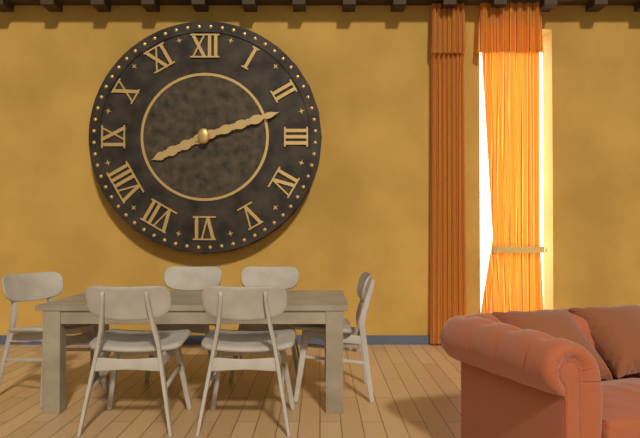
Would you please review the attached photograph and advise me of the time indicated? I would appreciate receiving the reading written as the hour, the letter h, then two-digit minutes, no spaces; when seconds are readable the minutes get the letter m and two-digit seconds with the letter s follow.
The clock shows 8h12
